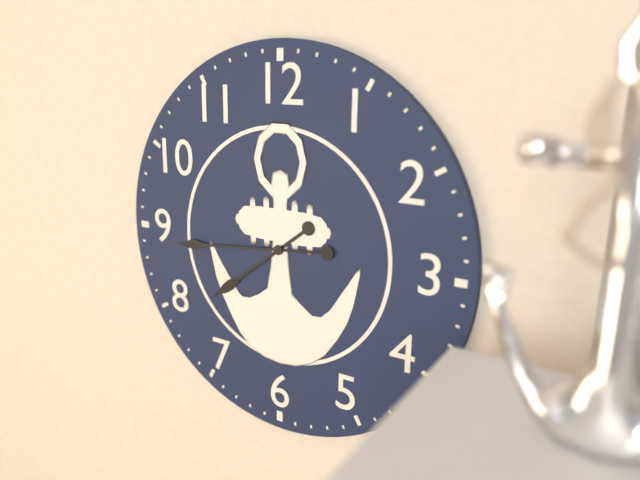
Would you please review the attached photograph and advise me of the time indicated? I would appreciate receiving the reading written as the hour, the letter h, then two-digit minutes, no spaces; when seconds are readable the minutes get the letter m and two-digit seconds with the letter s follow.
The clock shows 7h44
